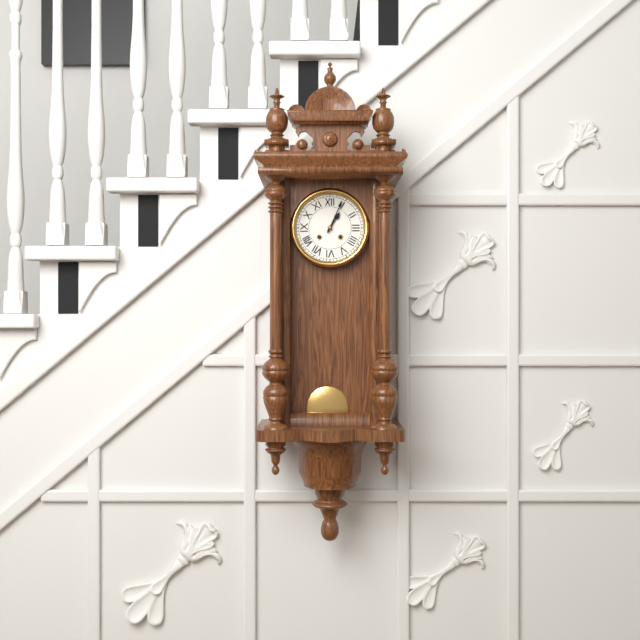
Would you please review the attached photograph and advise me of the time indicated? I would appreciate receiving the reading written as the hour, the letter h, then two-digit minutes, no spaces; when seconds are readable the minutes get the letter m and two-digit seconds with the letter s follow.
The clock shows 1h04
